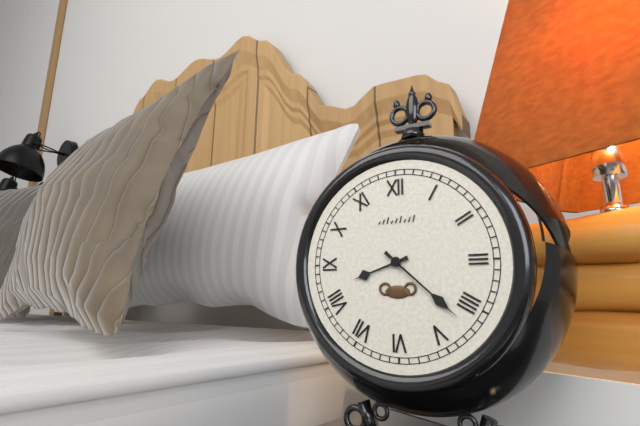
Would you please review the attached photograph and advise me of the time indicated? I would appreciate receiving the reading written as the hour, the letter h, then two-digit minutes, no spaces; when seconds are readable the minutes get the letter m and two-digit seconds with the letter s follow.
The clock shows 8h22
